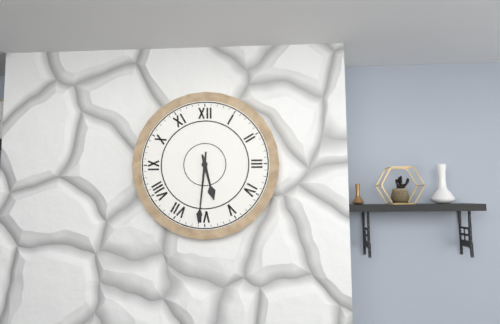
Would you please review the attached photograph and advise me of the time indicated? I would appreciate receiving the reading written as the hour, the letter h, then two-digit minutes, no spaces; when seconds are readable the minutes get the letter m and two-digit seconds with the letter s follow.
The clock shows 5h31
